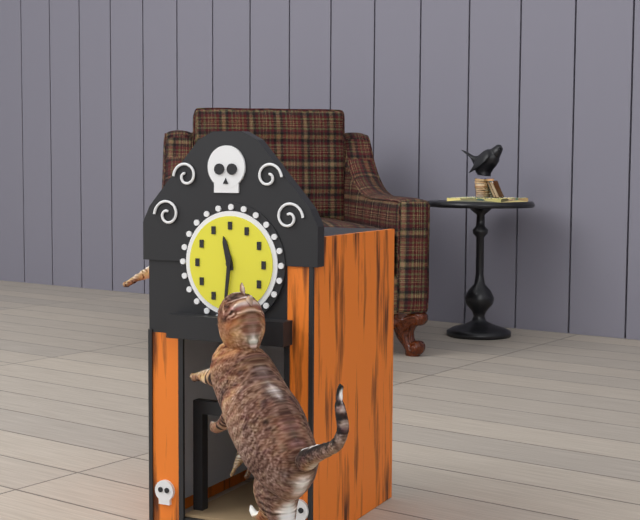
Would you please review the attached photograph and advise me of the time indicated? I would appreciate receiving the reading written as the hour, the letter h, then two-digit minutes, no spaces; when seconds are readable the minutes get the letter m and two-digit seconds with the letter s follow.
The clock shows 11h31
